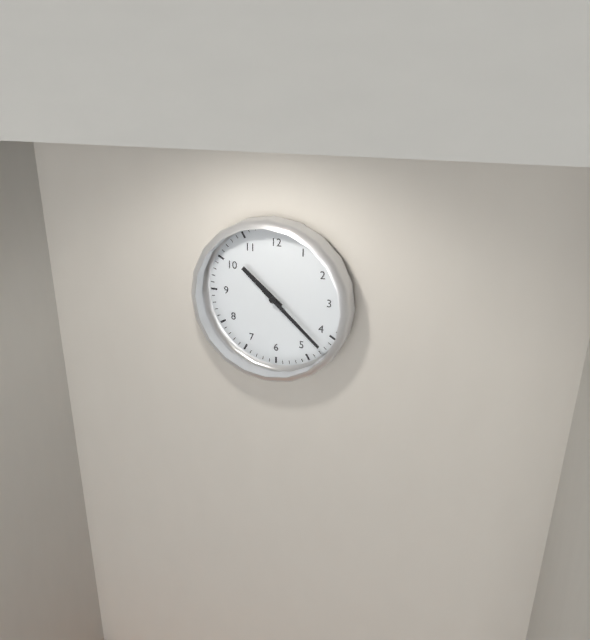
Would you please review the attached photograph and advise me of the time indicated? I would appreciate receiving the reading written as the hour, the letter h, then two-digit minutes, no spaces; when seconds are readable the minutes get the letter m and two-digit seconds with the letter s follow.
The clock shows 10h22
